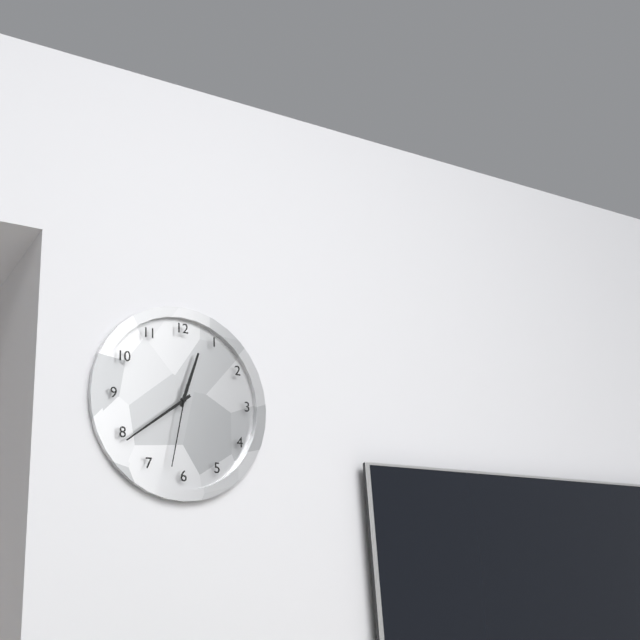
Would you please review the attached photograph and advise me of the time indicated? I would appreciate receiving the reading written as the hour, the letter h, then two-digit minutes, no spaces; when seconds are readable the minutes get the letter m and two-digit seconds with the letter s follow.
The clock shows 12h39m32s
